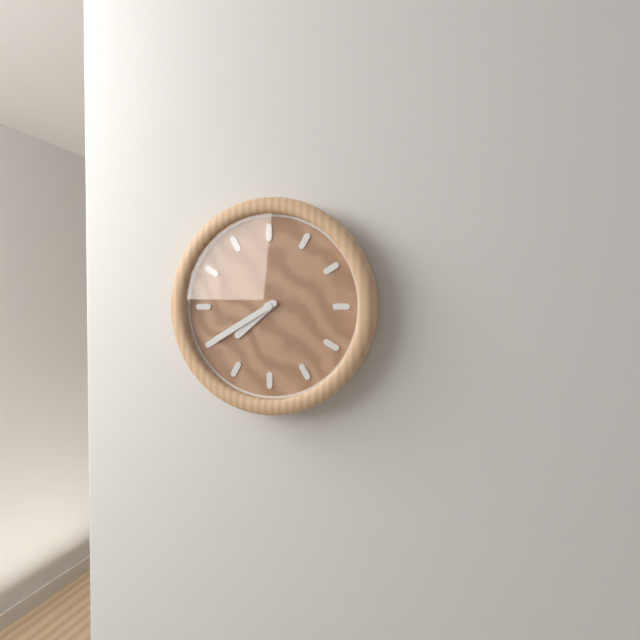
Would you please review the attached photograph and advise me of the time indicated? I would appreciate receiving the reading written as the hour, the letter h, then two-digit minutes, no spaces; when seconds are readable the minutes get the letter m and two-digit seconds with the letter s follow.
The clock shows 7h40
